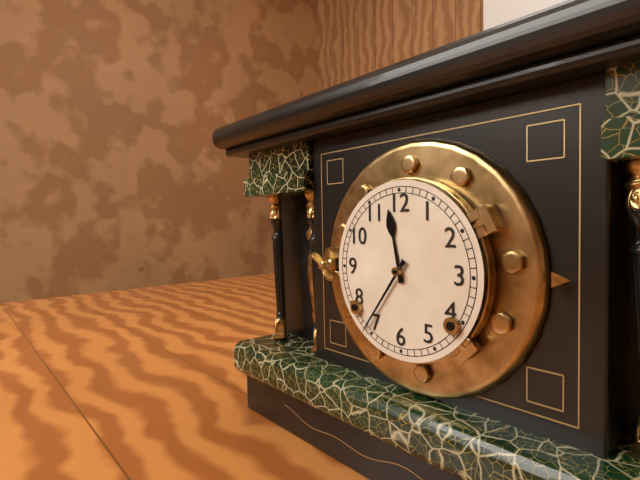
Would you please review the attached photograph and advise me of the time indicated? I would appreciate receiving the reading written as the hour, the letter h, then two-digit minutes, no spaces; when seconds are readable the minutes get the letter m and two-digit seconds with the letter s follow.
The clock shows 11h36
